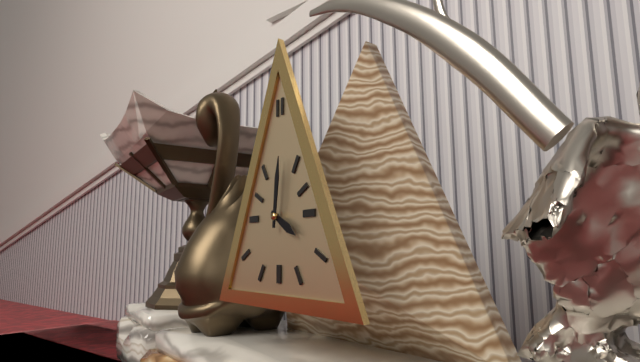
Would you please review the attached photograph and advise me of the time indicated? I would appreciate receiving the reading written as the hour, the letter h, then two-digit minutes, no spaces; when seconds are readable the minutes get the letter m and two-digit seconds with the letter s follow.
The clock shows 4h01
